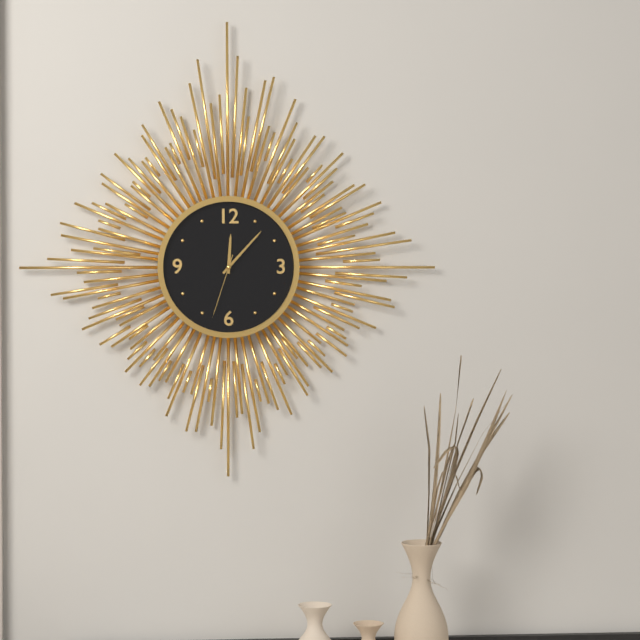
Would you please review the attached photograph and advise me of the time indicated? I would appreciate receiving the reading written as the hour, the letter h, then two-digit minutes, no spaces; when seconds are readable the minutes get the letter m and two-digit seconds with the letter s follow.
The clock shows 12h07m33s
